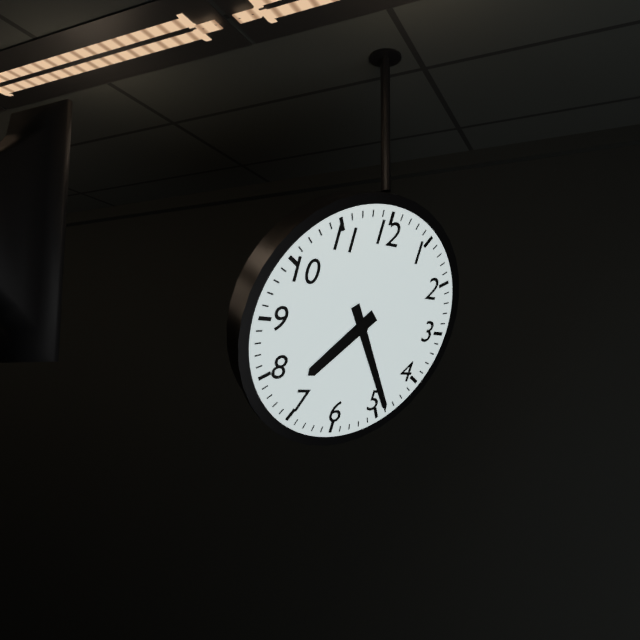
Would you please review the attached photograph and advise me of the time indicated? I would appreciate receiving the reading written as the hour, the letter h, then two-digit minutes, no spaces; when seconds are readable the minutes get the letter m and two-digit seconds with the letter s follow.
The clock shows 7h24
